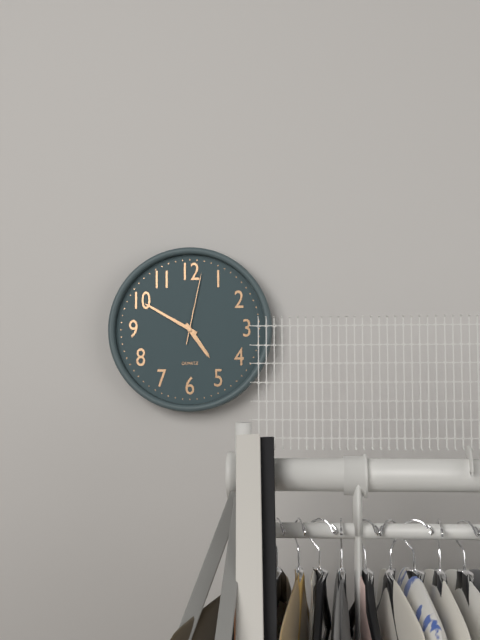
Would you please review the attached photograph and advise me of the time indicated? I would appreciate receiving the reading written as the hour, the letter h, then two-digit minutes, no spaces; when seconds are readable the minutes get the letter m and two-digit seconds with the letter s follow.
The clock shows 4h50m02s
